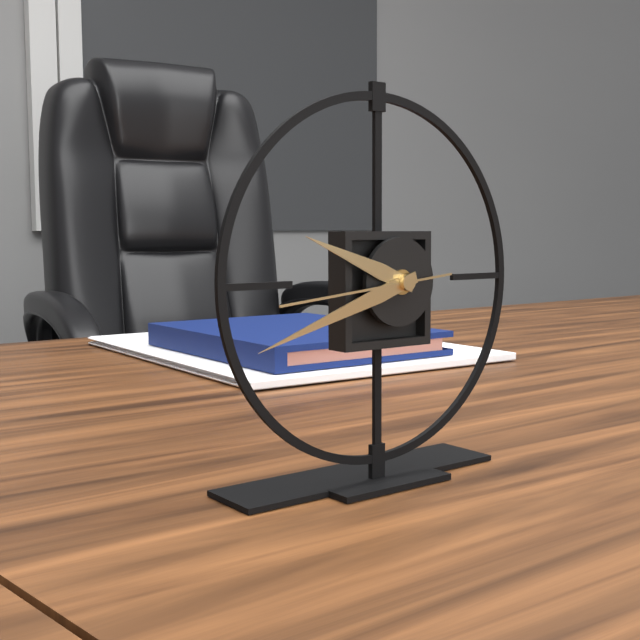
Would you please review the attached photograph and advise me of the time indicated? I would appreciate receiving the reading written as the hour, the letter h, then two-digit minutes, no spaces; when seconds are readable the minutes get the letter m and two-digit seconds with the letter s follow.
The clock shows 9h42m44s
